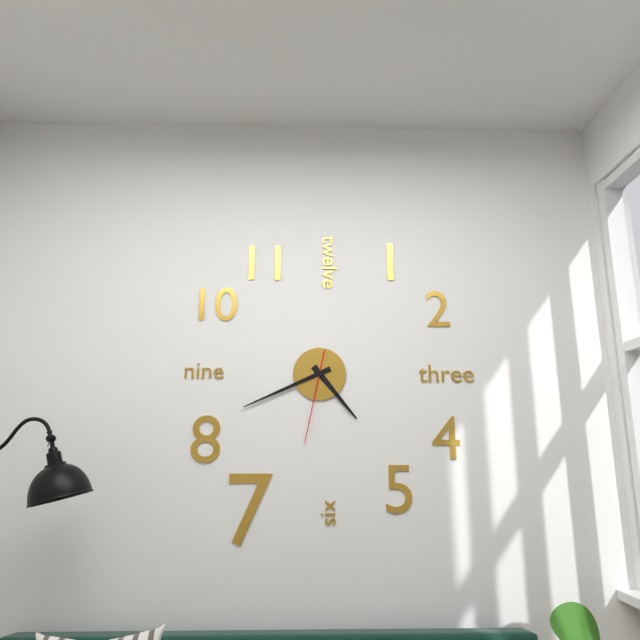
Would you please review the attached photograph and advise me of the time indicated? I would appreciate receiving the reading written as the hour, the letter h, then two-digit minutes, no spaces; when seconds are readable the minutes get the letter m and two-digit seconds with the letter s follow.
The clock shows 4h41m32s
